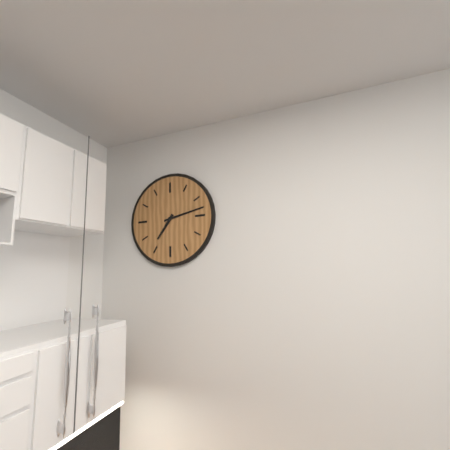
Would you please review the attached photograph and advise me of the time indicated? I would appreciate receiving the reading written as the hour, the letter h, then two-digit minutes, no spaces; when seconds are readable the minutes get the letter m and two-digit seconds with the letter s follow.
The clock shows 7h13
